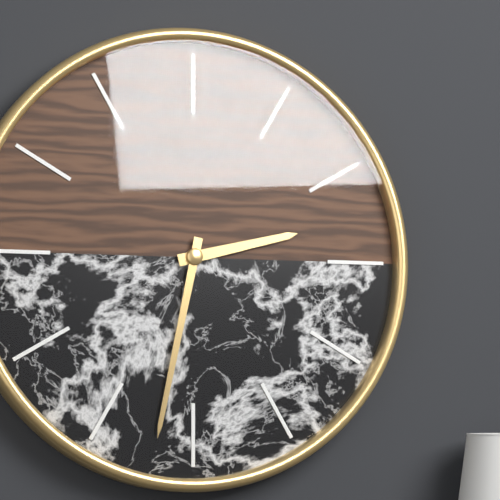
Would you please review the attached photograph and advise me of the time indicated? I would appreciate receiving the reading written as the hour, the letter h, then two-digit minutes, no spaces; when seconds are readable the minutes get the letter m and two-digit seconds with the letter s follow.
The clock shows 2h32
